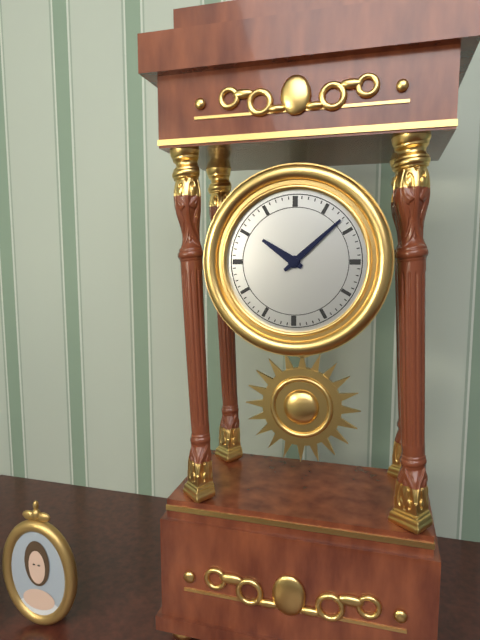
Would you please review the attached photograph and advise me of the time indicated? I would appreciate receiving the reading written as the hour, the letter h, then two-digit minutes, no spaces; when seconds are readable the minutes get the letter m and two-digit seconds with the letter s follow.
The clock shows 10h08
